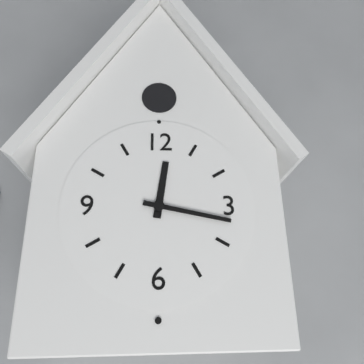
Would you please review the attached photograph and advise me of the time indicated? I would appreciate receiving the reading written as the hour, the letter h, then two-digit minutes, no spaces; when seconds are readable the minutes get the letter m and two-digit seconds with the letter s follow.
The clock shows 12h17
